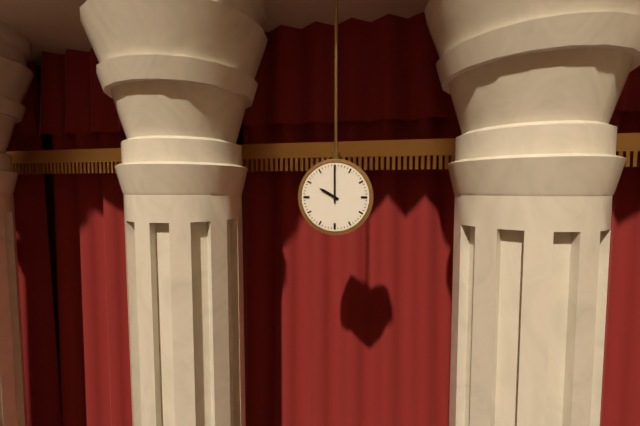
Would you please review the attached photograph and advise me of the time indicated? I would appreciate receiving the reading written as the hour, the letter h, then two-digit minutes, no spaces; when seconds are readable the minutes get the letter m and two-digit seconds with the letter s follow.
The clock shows 10h00
